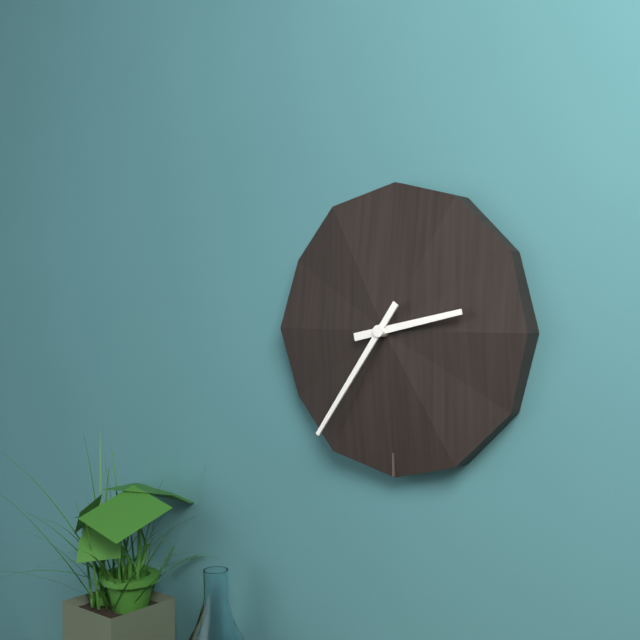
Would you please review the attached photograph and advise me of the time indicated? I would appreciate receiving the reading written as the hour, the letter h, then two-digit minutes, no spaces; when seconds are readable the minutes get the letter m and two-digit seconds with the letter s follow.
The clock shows 2h36
